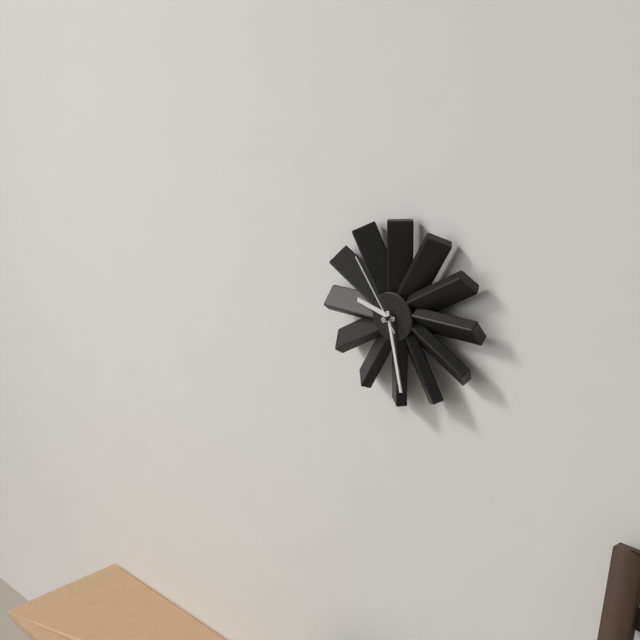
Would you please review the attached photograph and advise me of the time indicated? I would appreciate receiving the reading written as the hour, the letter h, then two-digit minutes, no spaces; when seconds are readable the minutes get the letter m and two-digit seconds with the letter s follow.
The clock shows 9h28m54s
